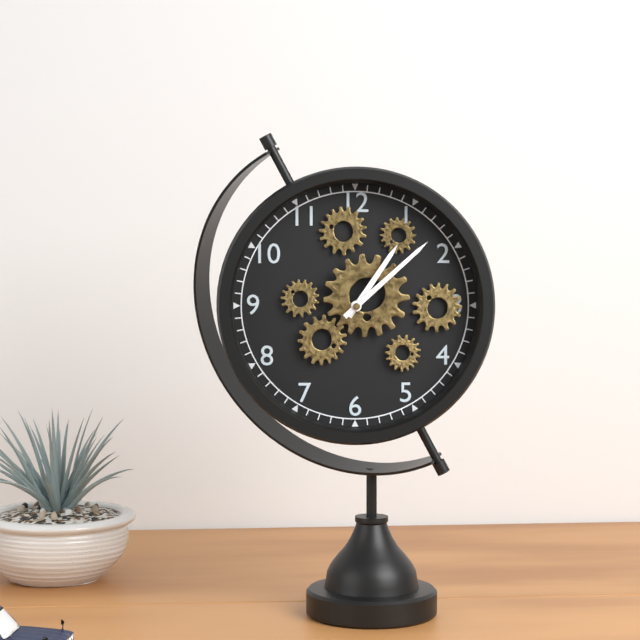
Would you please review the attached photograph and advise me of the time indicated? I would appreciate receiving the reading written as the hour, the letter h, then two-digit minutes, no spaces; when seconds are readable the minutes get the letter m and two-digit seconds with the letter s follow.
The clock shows 1h08
